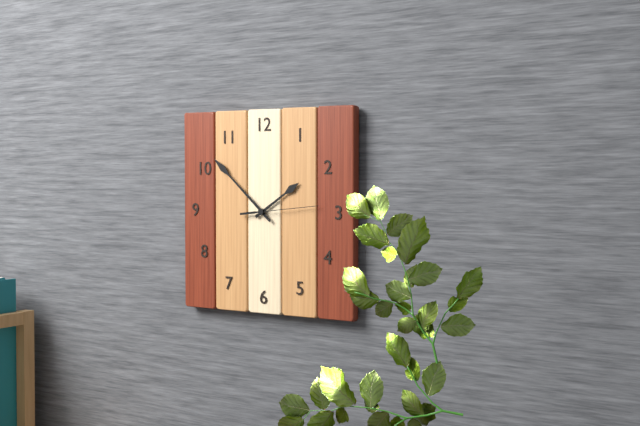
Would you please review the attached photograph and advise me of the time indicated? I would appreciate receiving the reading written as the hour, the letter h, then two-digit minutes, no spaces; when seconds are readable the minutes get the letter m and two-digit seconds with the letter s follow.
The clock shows 1h52m14s
